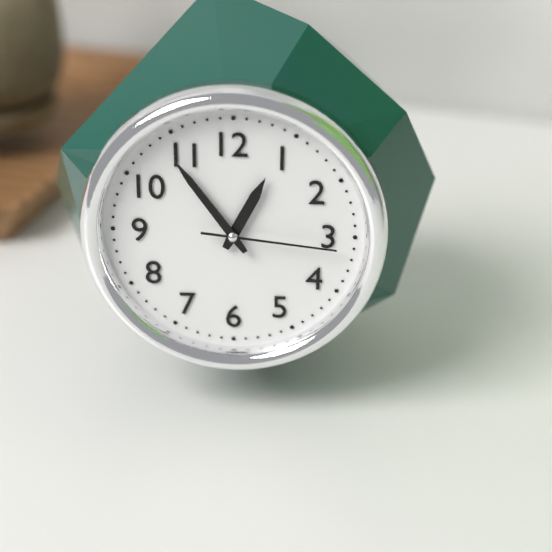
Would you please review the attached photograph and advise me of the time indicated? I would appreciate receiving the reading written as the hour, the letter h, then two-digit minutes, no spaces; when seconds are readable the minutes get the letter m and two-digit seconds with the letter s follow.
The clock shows 12h54m16s
